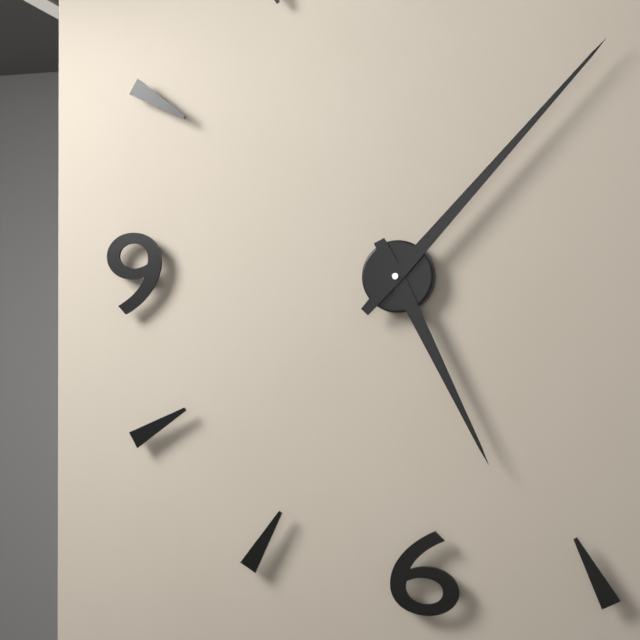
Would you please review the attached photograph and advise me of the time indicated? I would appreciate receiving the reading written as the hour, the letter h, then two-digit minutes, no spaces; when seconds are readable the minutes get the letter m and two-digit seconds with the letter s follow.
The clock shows 5h07
